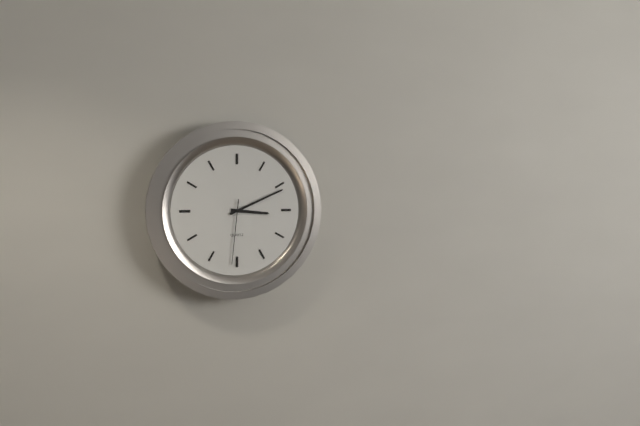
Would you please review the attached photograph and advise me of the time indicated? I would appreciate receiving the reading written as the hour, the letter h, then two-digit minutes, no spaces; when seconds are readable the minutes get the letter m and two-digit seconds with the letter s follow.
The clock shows 3h11m31s
